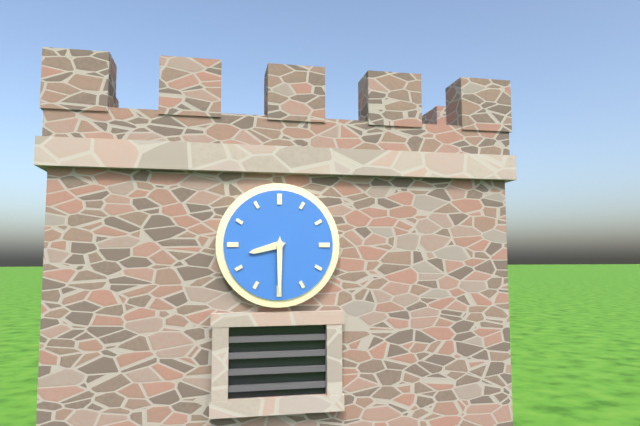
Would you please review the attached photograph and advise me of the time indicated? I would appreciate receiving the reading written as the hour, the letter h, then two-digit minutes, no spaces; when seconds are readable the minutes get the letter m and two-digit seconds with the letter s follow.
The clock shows 8h30
